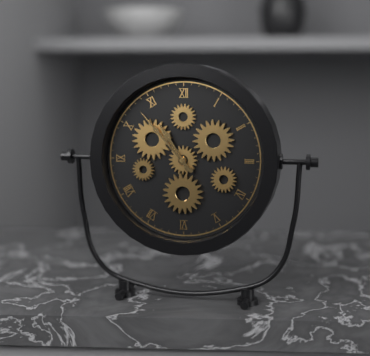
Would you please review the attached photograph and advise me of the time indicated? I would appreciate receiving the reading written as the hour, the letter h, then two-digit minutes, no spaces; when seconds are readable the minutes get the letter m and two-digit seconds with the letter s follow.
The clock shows 10h53
